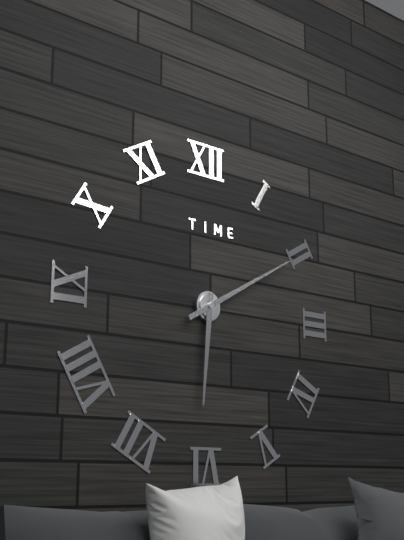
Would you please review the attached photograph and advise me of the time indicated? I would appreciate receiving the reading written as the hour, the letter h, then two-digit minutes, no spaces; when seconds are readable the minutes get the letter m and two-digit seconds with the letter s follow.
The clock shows 6h10
